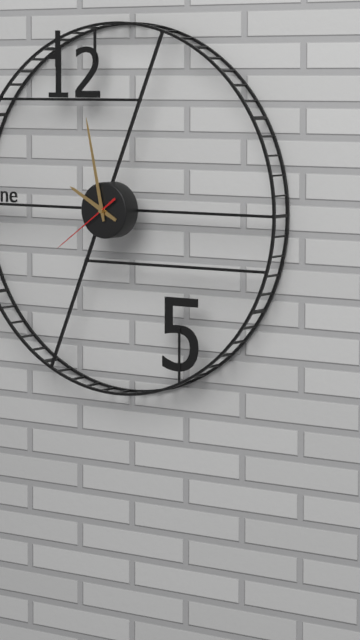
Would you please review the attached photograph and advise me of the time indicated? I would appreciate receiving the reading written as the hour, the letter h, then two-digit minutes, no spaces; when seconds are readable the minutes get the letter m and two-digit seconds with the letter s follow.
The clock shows 9h58m39s
